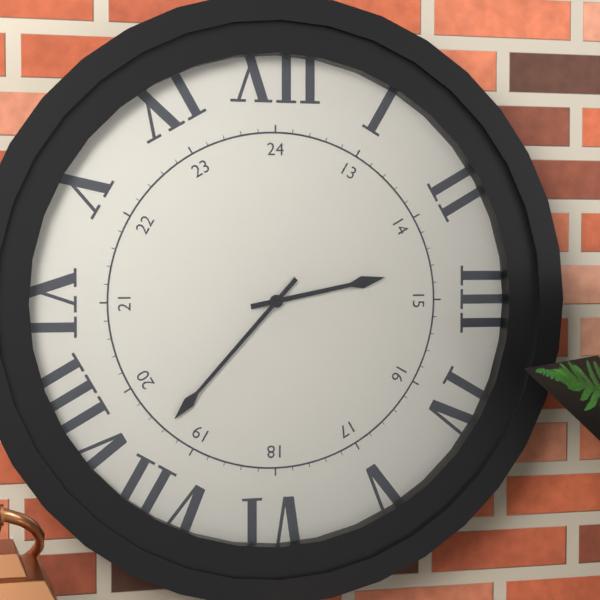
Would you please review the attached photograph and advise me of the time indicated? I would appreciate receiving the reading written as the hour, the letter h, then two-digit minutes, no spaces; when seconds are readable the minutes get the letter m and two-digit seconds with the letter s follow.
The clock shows 2h37
